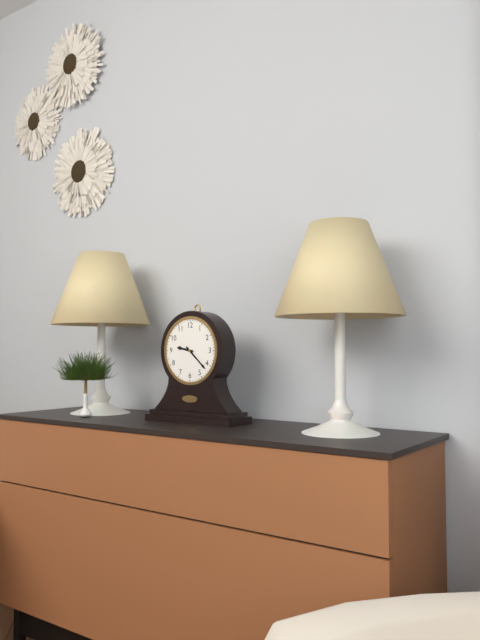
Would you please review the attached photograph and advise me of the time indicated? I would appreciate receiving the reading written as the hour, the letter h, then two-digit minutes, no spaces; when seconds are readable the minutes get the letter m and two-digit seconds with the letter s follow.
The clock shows 9h22
